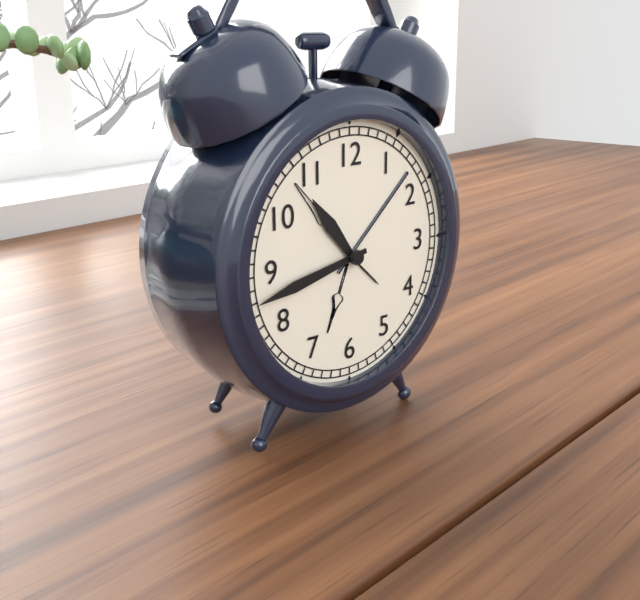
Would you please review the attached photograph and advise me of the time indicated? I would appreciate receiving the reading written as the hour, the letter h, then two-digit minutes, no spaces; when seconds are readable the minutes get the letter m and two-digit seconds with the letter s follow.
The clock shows 10h43
